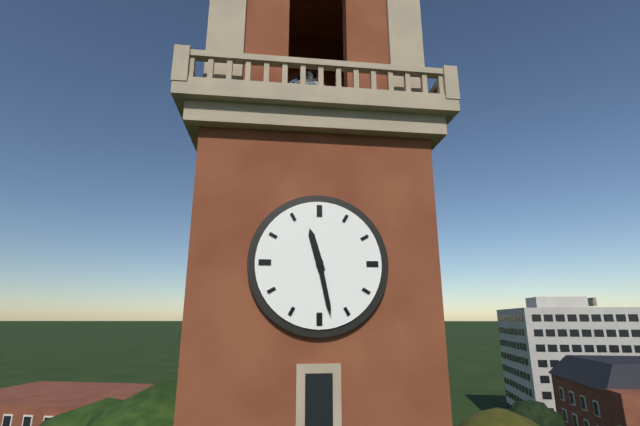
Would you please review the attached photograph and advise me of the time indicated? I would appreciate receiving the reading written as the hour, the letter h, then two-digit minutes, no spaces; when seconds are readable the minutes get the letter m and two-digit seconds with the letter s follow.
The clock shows 11h28
